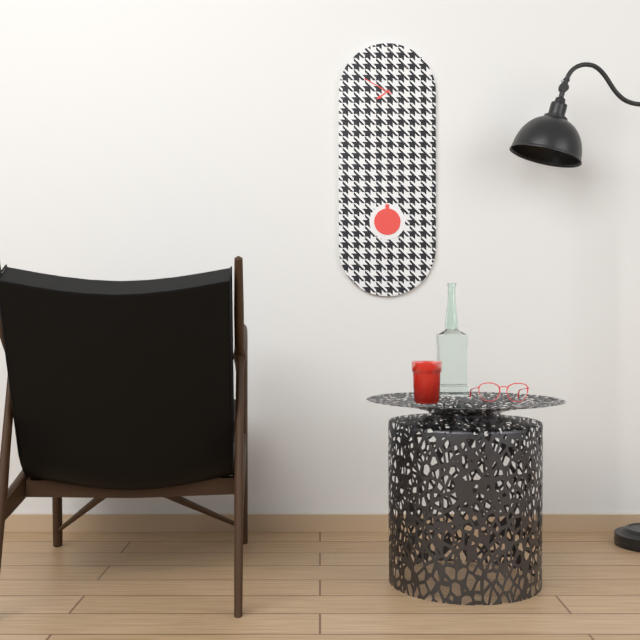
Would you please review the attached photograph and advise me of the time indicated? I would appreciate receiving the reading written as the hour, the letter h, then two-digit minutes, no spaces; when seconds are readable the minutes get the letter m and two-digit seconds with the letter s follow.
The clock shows 7h50
